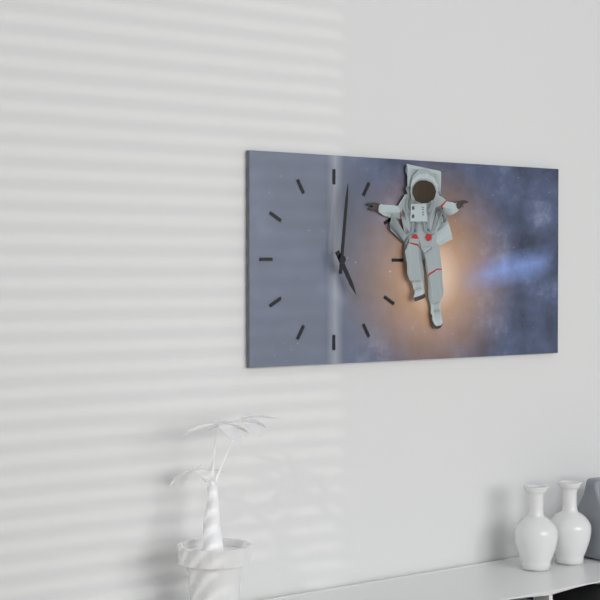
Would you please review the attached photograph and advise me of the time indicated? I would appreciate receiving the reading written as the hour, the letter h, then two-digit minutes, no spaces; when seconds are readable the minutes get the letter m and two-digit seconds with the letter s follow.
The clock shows 5h01
